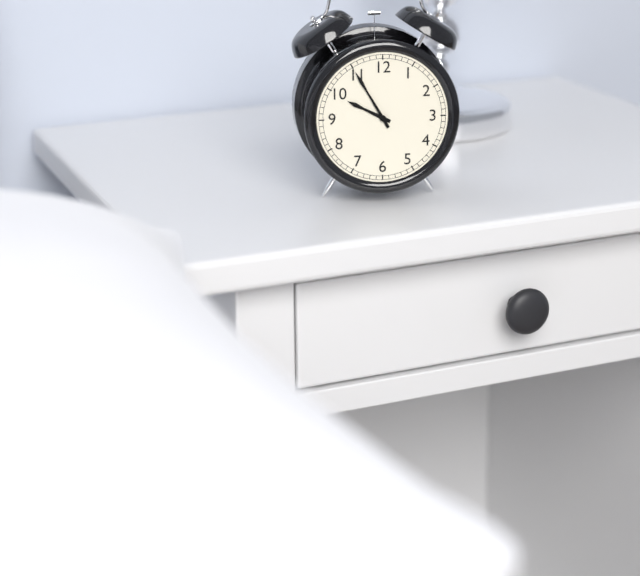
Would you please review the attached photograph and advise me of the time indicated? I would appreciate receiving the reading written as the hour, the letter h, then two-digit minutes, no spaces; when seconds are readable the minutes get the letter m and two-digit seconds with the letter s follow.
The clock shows 9h55
